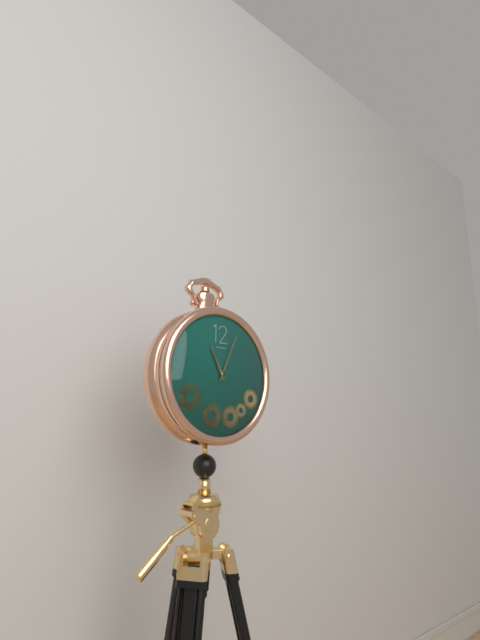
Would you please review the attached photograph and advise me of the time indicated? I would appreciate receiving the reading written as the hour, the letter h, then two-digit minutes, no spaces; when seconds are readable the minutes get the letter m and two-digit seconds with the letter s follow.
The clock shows 11h04
